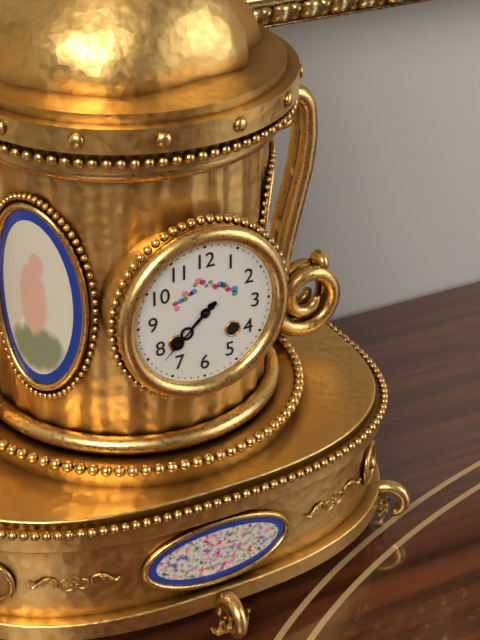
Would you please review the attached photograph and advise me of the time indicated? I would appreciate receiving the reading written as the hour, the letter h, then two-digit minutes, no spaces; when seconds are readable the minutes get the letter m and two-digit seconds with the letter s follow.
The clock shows 7h38
